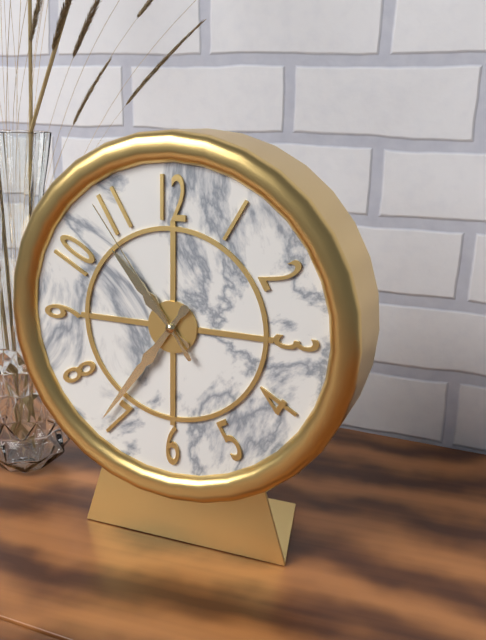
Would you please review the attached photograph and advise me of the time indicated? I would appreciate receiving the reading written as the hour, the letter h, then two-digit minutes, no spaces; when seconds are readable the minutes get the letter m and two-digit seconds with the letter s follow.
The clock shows 10h36m54s
